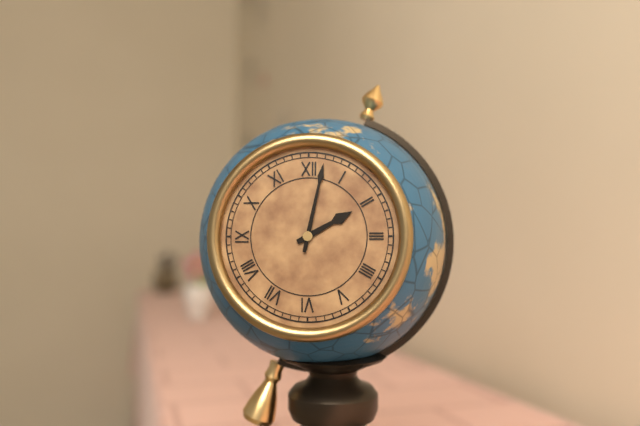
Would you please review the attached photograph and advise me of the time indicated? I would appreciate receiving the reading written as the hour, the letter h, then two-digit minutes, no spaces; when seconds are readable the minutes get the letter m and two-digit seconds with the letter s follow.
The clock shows 2h02
